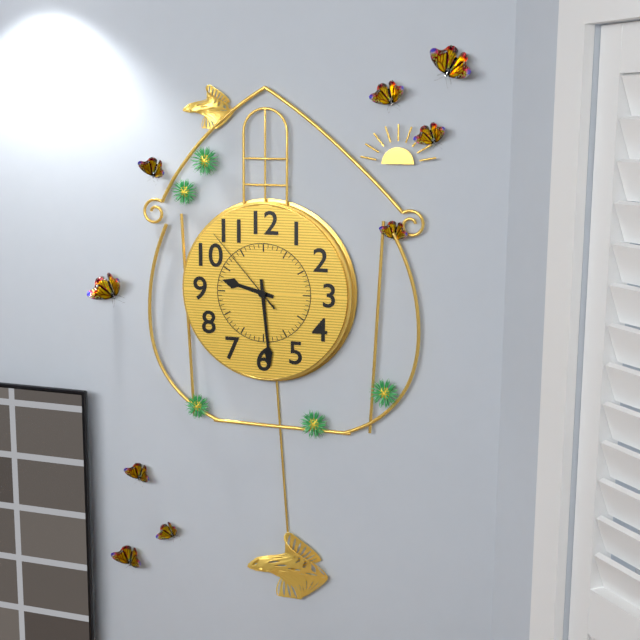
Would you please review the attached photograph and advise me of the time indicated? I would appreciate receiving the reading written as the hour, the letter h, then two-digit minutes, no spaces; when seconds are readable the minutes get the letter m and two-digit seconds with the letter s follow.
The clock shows 9h29m53s
